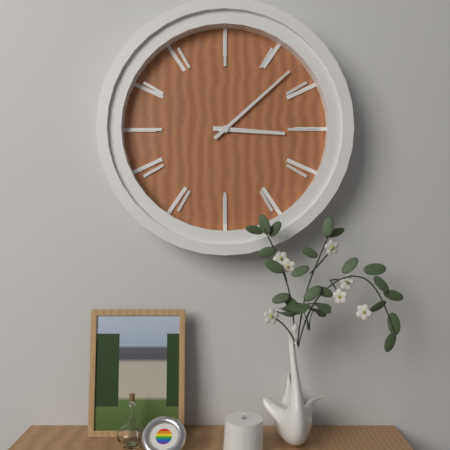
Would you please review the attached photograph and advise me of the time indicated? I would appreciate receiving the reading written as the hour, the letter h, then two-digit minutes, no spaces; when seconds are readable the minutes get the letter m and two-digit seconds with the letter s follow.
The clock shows 3h08
